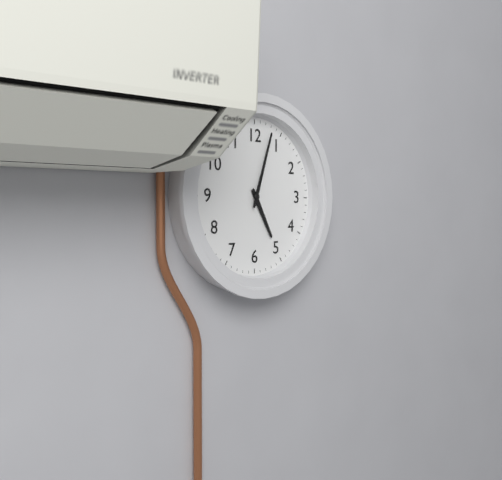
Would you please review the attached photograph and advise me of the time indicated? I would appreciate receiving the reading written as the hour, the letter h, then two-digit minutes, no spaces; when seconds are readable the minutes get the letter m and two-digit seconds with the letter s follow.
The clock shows 5h03
